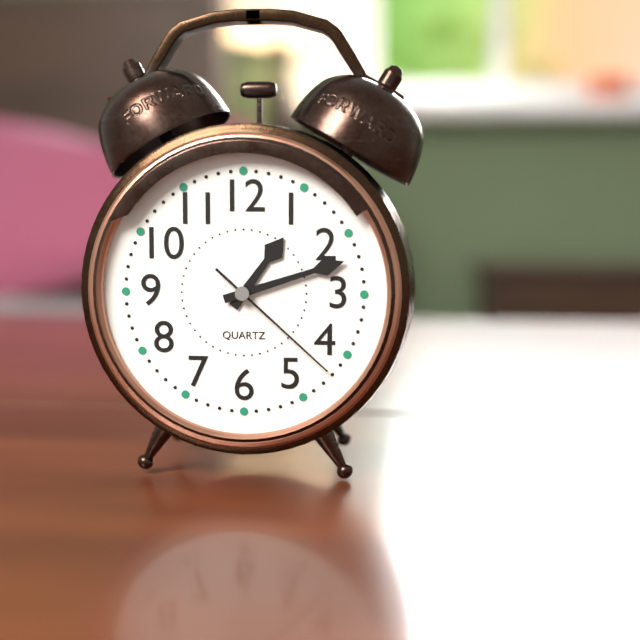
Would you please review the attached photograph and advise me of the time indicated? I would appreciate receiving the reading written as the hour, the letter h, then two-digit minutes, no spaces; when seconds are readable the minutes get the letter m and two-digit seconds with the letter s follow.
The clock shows 1h12m22s
